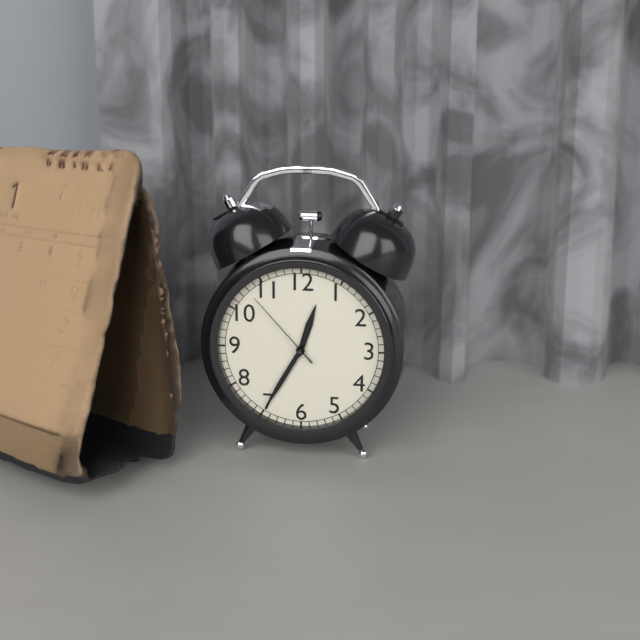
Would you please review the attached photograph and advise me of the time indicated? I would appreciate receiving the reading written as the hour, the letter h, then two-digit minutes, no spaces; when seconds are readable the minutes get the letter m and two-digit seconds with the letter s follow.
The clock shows 12h35m53s
